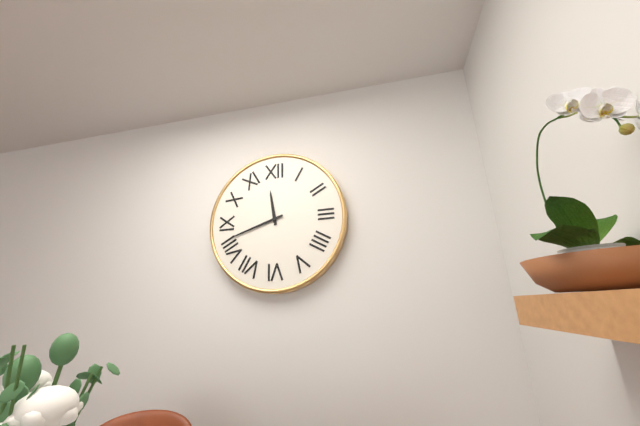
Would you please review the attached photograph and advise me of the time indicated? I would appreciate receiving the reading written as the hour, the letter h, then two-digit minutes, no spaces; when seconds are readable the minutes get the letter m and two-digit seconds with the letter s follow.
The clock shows 11h42
